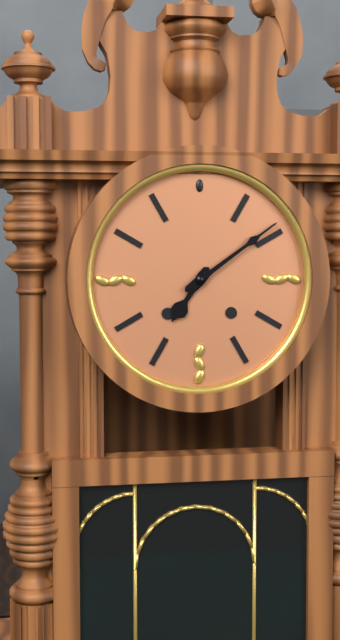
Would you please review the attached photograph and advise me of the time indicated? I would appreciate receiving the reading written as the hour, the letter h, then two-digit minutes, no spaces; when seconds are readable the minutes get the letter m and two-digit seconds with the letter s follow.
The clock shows 7h09
